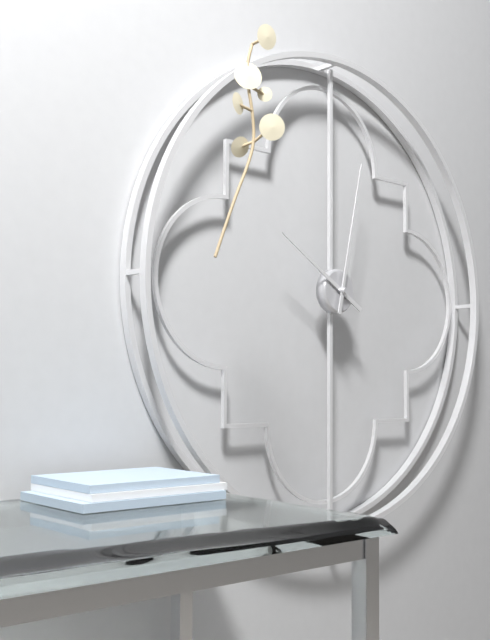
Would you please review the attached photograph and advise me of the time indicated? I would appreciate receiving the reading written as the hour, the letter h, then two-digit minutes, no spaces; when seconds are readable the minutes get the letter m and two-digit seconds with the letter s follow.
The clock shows 10h02
